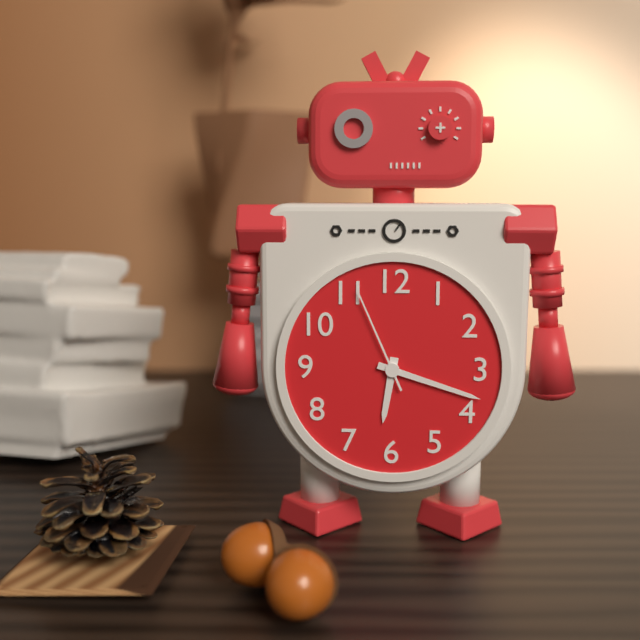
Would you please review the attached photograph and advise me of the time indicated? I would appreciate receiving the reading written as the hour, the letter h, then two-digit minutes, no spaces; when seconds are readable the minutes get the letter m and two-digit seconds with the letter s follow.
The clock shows 6h18m56s
